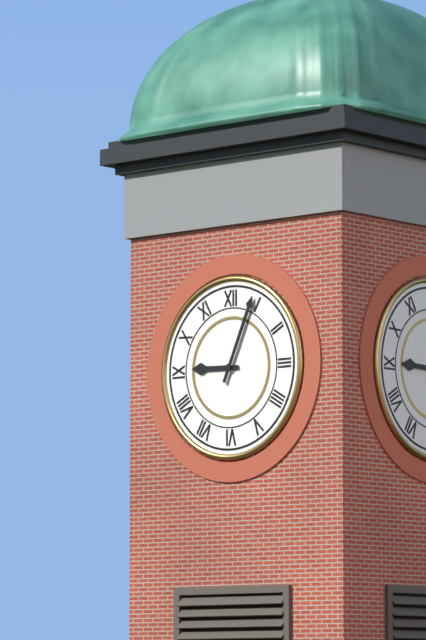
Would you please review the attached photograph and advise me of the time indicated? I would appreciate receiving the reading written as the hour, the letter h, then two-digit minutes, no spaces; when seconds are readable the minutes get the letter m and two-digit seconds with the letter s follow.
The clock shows 9h04
